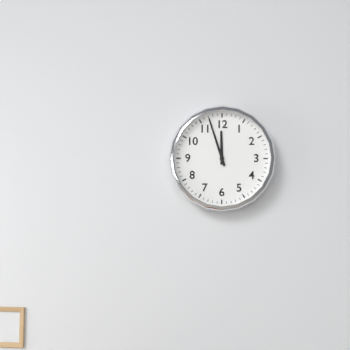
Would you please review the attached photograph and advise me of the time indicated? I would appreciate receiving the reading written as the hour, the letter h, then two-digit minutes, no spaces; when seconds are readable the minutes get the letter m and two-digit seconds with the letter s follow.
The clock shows 11h57
